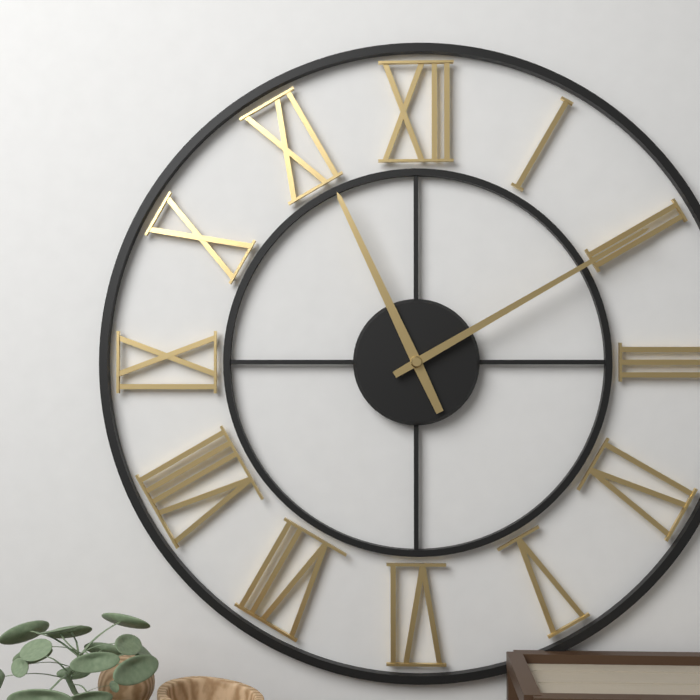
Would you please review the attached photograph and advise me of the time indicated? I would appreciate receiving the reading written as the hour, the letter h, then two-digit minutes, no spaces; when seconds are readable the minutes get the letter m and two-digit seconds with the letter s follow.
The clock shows 11h10
